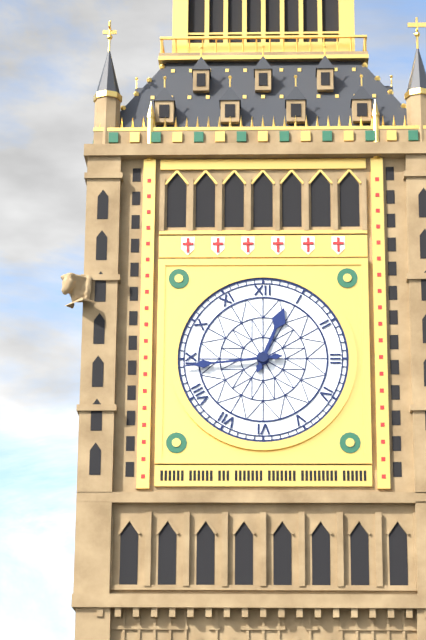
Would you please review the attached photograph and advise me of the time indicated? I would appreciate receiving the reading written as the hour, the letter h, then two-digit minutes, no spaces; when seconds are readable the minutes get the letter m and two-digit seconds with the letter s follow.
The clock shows 12h44
